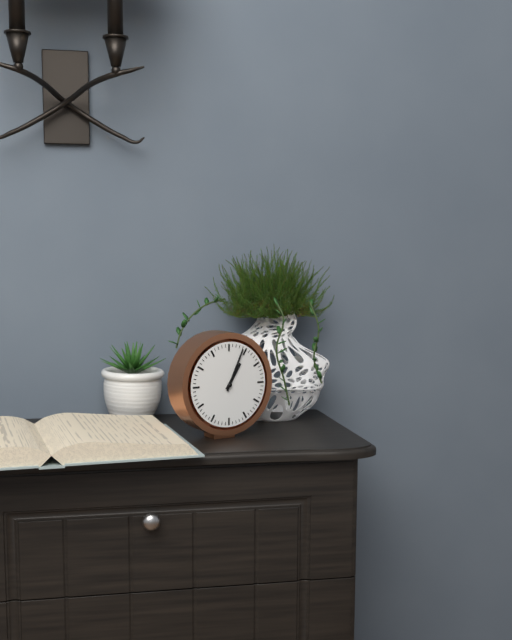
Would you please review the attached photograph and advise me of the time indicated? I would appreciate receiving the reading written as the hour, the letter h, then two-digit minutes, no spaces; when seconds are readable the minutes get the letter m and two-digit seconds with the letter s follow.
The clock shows 1h04
